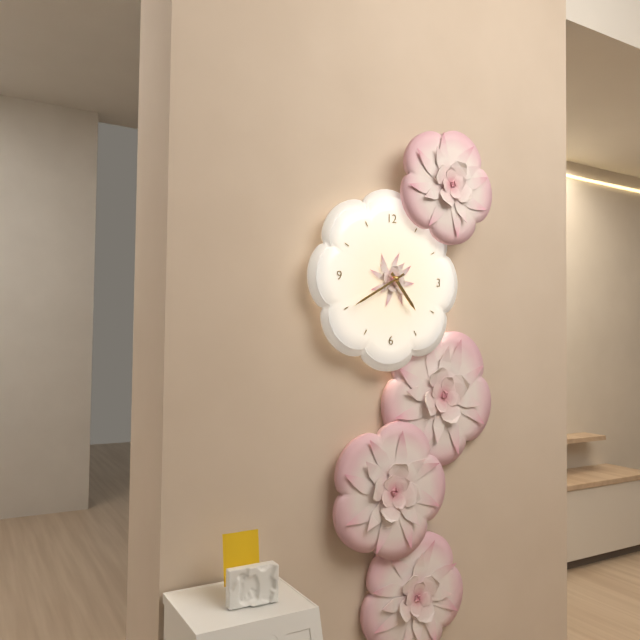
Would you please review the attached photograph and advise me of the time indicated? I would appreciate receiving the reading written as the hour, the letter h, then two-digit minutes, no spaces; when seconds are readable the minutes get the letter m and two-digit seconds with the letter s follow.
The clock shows 4h40
